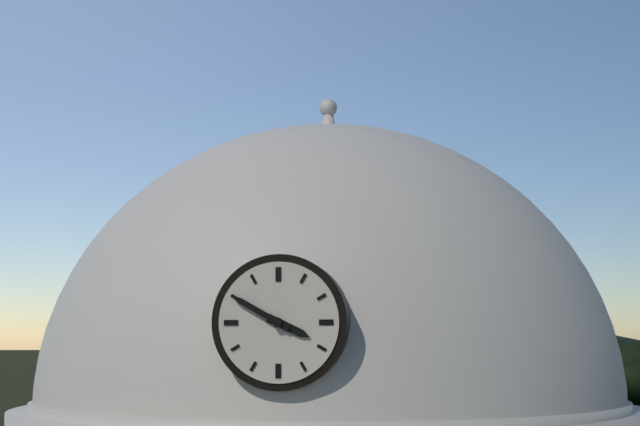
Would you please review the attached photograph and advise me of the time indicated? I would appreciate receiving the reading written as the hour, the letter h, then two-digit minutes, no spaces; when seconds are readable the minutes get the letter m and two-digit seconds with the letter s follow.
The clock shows 3h50
